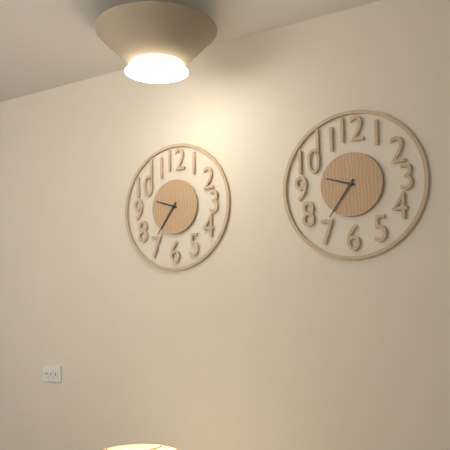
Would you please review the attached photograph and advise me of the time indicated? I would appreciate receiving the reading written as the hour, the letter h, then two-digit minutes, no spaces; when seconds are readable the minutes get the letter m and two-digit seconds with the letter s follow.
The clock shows 9h36
